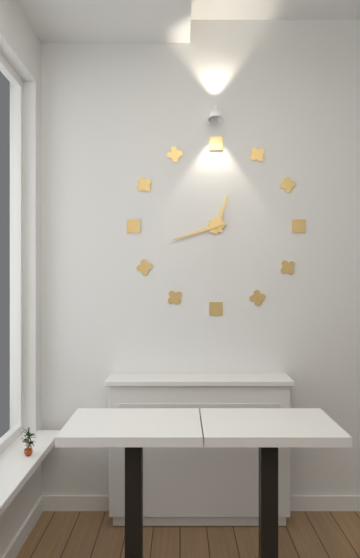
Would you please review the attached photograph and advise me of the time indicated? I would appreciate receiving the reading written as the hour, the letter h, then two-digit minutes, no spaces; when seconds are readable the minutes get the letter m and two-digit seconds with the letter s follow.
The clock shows 12h42
